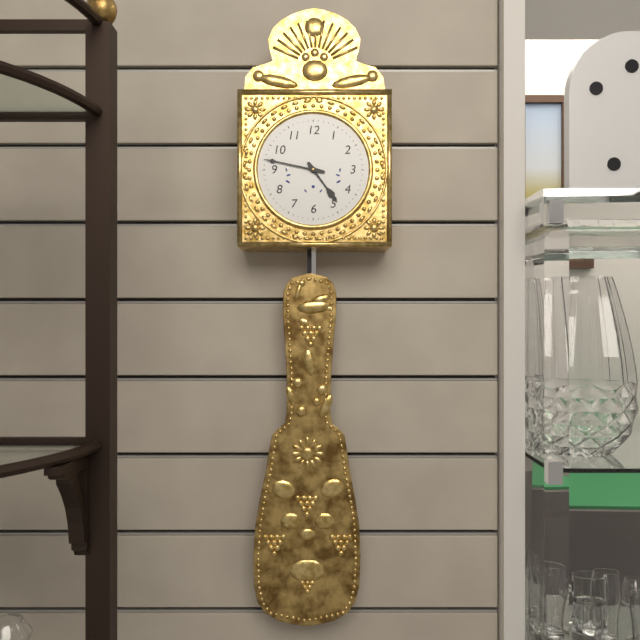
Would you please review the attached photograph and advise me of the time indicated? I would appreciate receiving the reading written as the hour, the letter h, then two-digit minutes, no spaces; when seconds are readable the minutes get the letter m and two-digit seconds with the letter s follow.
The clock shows 4h47
